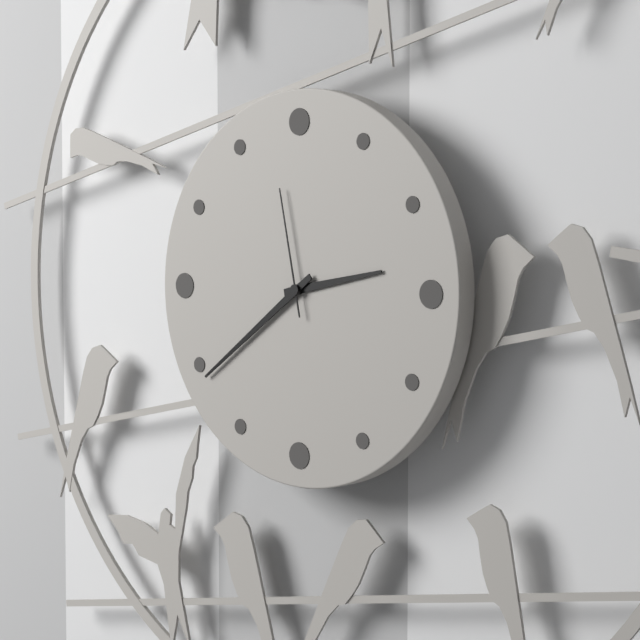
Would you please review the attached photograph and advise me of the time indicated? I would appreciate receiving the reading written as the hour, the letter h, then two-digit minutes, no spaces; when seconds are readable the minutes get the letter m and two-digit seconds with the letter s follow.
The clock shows 2h39m58s
